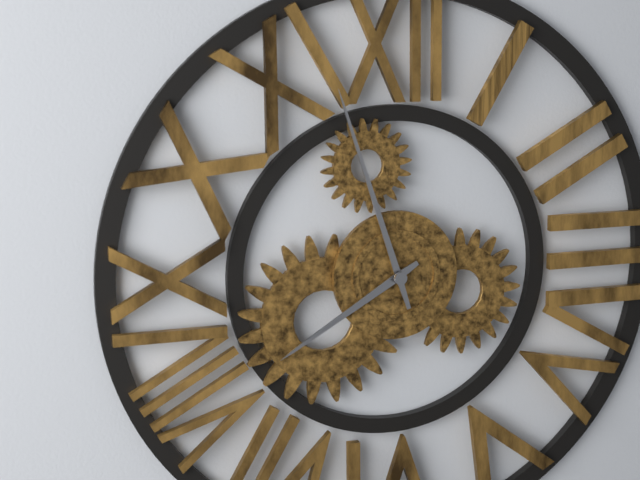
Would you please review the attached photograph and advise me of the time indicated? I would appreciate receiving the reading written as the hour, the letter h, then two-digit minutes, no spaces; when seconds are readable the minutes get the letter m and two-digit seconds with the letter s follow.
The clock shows 7h57
